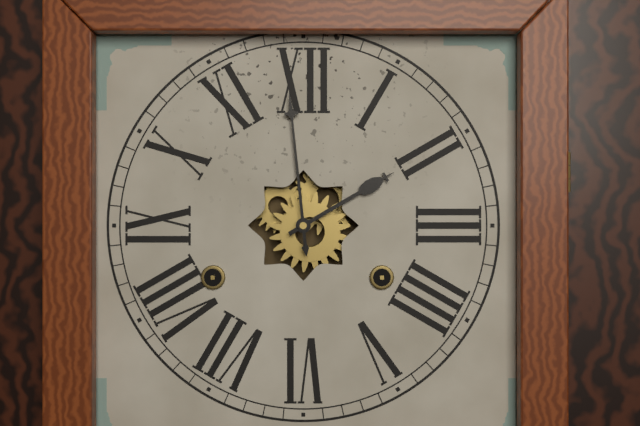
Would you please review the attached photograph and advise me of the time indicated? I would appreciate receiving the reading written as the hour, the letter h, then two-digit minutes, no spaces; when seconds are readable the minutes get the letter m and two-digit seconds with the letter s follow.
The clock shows 1h59
